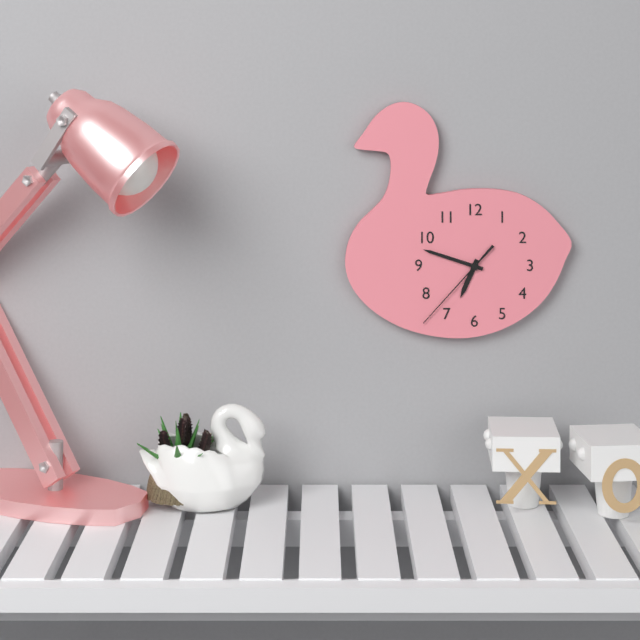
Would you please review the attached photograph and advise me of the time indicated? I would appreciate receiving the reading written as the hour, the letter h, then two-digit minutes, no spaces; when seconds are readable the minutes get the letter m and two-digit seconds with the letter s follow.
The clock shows 6h48m37s
